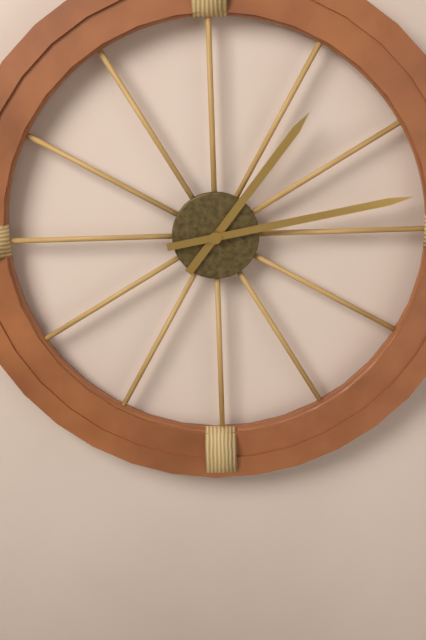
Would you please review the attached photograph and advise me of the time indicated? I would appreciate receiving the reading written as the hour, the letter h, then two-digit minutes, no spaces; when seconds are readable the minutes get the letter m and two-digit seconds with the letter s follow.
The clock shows 1h13
